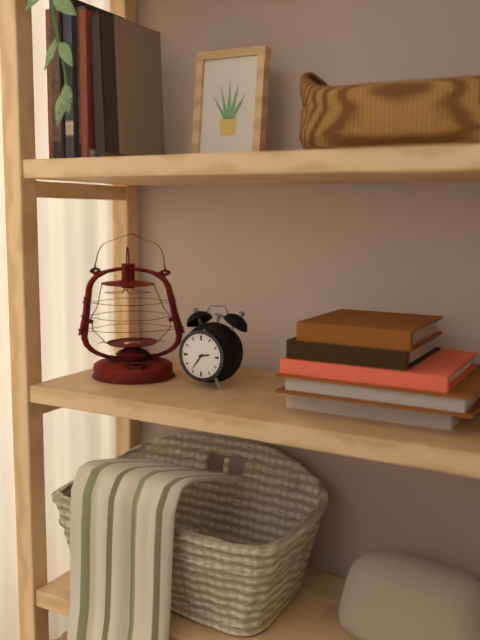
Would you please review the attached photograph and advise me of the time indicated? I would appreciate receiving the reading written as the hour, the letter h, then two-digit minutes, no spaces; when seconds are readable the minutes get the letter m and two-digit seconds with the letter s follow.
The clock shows 2h36
